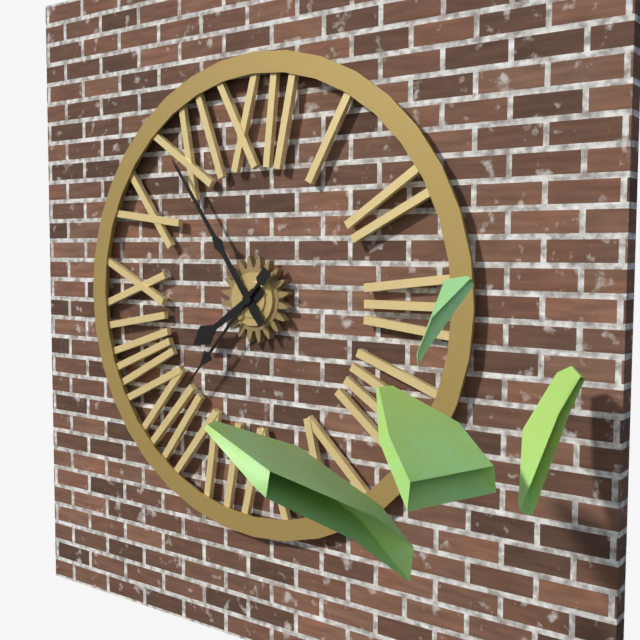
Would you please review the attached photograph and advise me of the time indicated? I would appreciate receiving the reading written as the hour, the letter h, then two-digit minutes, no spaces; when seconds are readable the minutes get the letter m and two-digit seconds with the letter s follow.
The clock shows 7h54m37s
